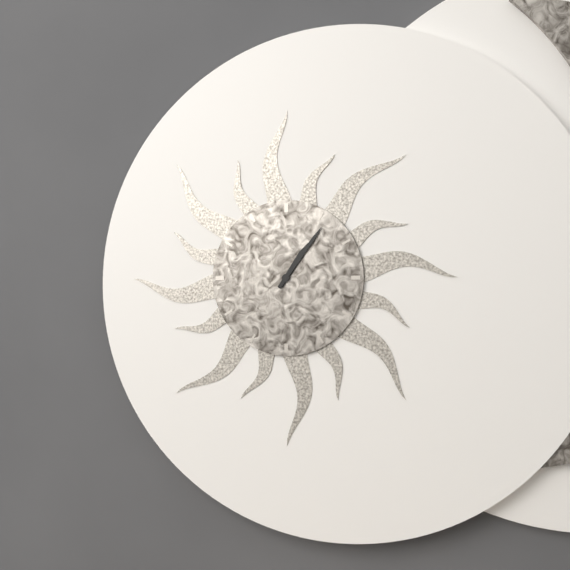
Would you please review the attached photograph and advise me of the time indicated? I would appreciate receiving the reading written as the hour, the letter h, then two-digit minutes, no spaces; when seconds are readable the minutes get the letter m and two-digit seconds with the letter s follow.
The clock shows 1h06
